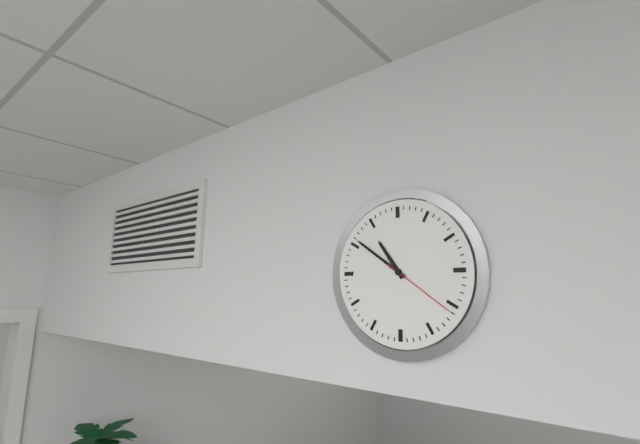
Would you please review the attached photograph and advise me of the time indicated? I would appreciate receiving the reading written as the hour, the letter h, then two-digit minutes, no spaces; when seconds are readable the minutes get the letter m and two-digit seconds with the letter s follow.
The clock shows 10h51m21s
